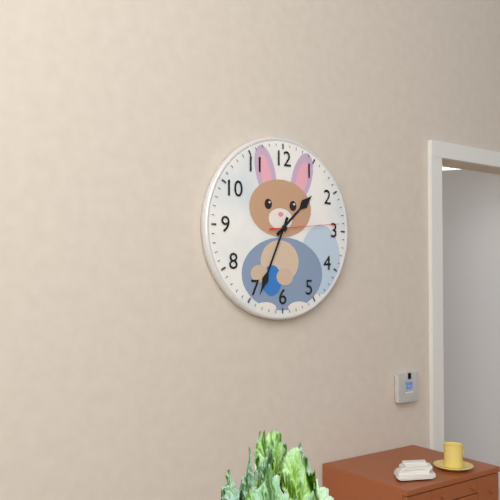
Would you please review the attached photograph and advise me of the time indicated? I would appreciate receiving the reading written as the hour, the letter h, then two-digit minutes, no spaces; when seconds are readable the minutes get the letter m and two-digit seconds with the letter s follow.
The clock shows 1h34m14s
